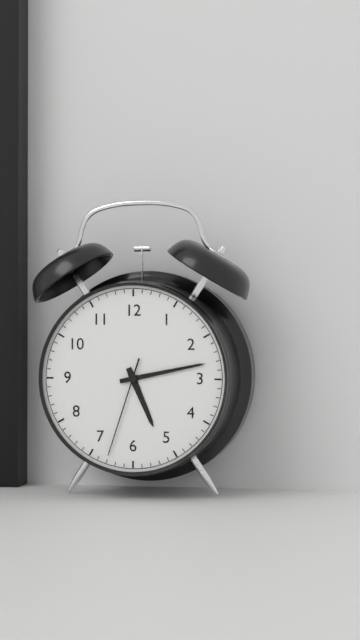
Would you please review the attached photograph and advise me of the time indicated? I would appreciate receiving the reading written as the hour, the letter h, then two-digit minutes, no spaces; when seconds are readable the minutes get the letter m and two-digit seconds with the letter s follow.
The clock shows 5h13m33s
